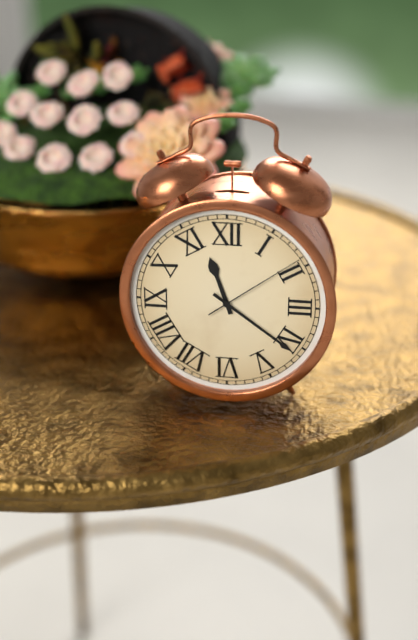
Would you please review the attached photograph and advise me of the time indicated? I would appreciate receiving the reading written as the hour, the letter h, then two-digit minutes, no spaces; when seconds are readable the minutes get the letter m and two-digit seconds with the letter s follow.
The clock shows 11h21m09s
